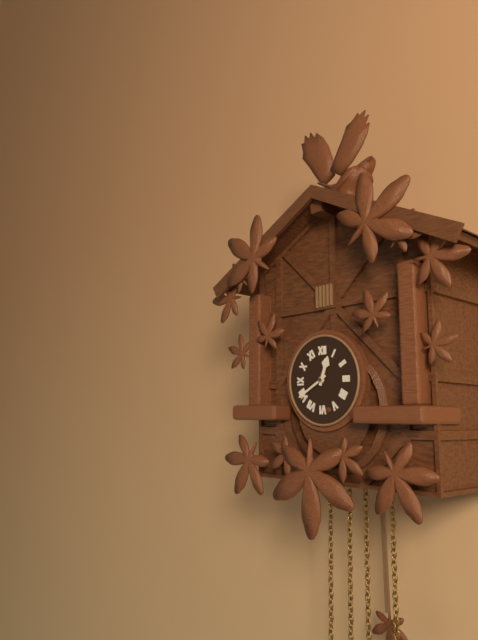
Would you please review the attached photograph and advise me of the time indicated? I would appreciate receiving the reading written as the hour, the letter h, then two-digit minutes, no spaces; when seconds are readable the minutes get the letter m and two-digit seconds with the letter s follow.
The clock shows 12h40
